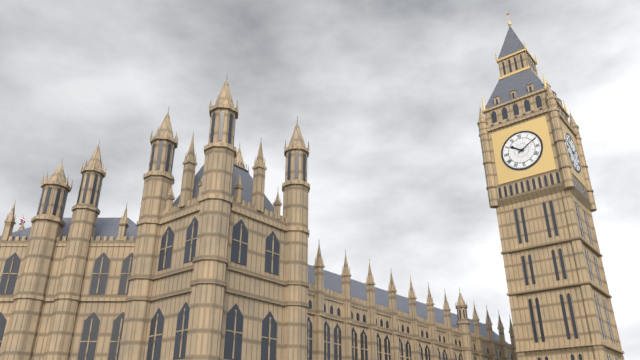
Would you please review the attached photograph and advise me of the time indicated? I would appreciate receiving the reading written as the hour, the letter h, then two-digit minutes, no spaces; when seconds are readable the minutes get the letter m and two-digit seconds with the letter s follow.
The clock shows 10h10
